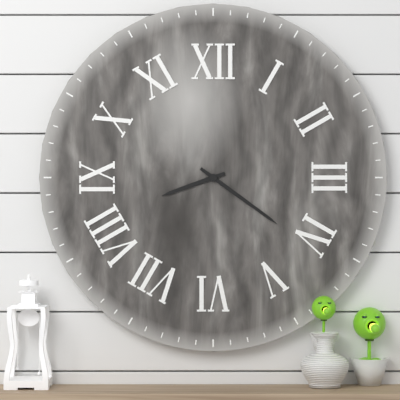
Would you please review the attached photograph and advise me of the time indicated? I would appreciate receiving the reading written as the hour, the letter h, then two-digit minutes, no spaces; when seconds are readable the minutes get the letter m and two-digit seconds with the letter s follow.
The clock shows 8h21
